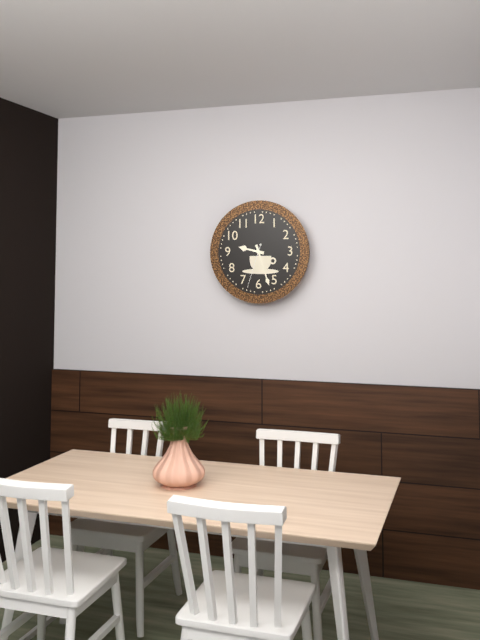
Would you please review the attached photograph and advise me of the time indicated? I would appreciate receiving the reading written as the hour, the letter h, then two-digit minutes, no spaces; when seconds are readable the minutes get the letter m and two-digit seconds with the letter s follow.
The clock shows 9h27
